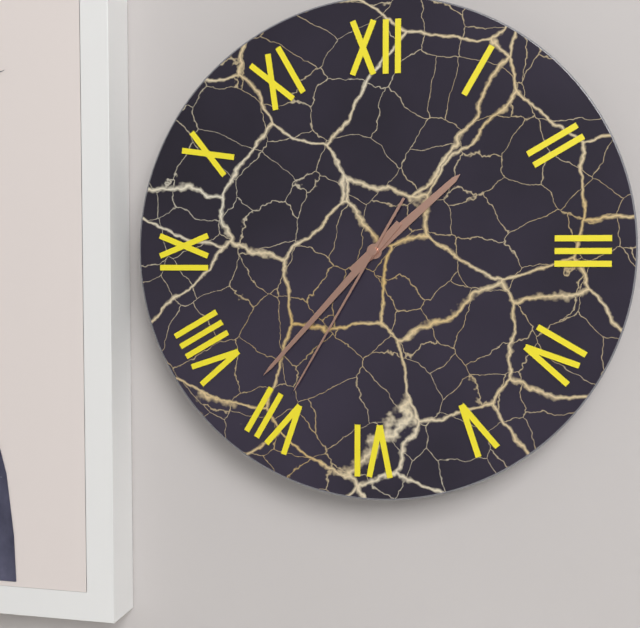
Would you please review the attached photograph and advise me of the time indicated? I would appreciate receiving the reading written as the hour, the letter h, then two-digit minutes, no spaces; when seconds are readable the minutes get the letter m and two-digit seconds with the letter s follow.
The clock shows 1h37m35s
